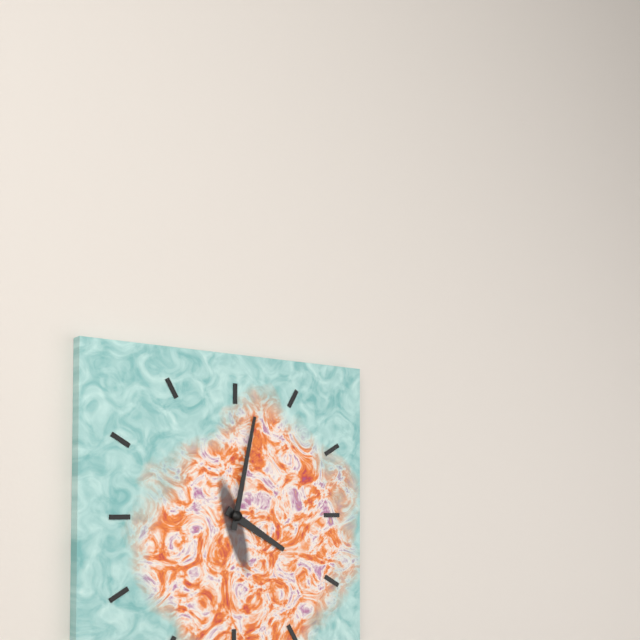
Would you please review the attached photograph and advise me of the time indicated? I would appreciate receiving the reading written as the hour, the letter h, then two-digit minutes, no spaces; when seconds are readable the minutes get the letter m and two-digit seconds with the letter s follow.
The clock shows 4h02
